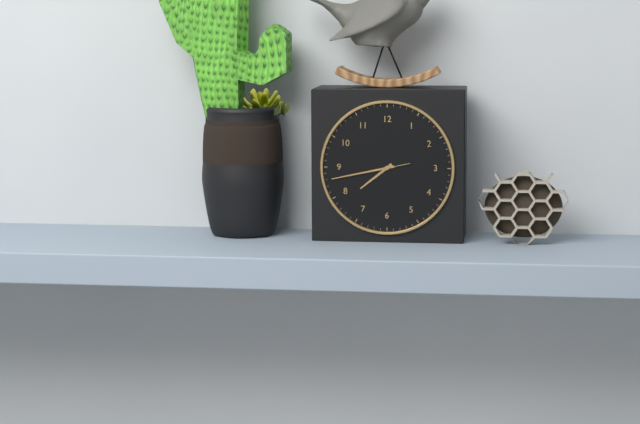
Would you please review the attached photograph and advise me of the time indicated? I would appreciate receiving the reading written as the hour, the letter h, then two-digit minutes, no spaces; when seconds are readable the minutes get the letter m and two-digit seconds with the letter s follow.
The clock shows 7h43m43s
